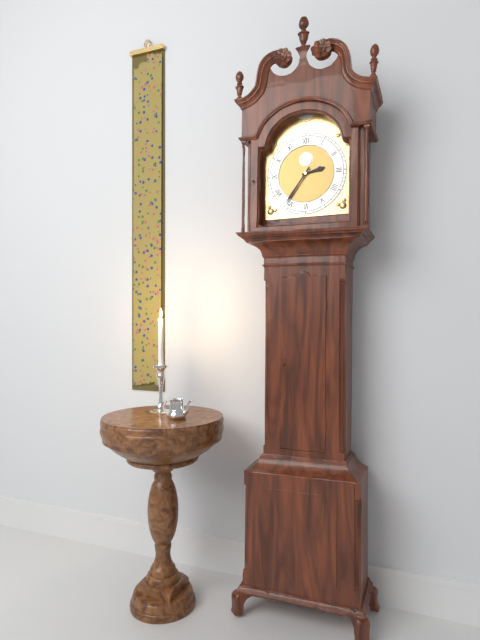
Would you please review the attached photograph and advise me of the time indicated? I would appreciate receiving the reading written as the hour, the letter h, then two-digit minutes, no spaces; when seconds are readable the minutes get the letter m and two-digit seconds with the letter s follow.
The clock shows 2h36
